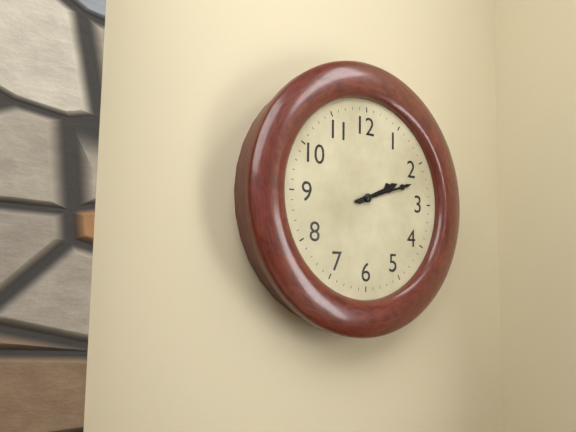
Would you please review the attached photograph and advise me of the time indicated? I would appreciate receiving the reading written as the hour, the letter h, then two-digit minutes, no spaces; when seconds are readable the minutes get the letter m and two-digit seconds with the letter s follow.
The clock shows 2h12
